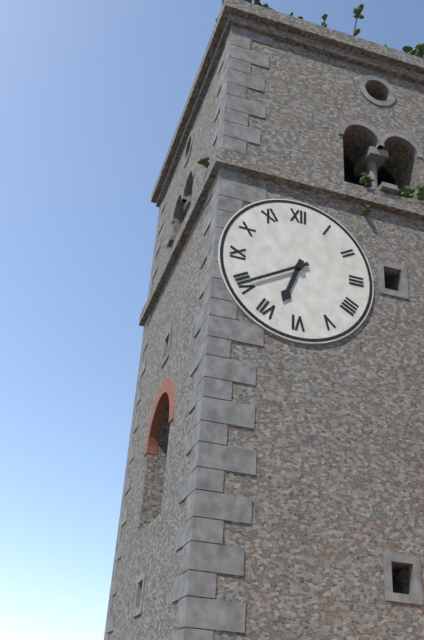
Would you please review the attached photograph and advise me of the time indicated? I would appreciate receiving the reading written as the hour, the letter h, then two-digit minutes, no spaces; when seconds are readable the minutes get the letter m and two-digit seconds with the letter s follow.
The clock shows 6h40
